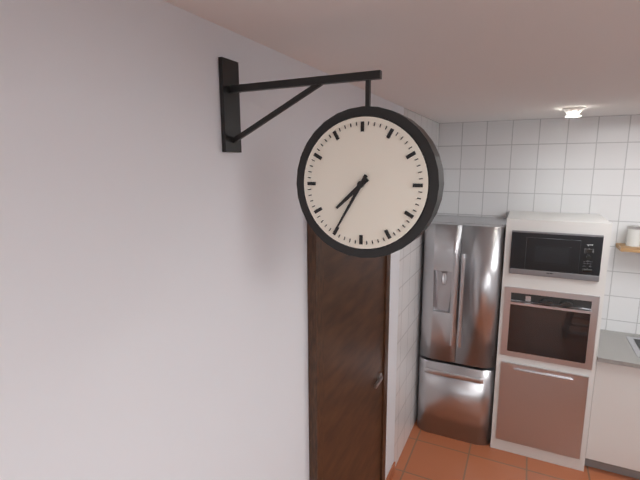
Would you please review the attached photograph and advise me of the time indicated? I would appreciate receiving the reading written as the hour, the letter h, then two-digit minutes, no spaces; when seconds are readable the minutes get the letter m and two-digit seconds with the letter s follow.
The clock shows 7h35
